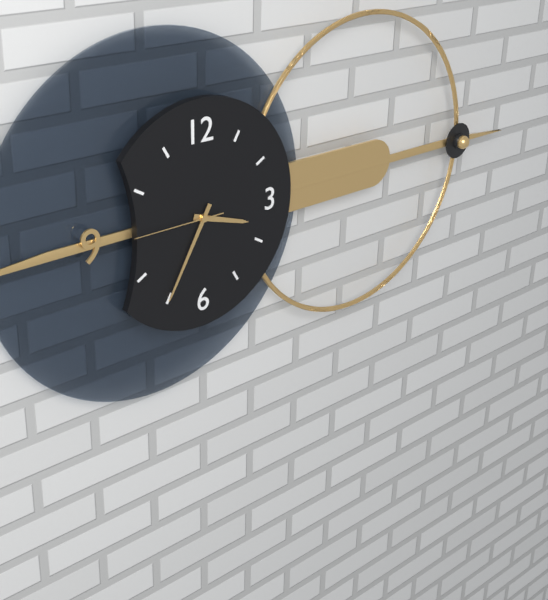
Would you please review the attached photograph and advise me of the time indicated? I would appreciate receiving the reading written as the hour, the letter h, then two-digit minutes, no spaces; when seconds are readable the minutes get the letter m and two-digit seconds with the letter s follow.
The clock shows 3h35m45s
